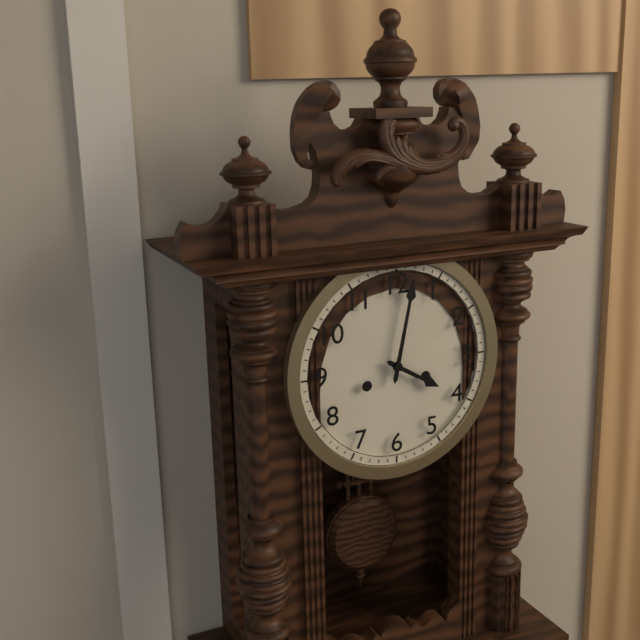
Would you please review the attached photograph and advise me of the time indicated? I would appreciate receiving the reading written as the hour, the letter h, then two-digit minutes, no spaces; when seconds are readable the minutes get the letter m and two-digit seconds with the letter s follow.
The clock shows 4h02
